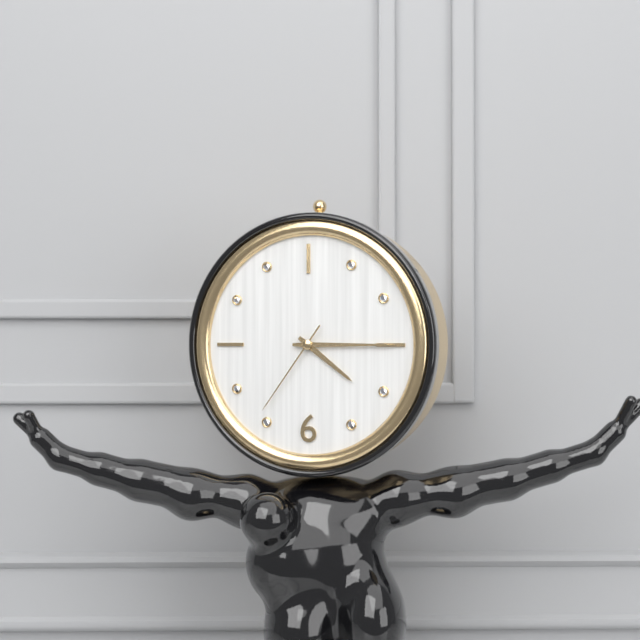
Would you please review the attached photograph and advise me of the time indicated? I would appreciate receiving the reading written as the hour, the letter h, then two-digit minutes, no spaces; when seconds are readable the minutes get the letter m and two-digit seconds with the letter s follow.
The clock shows 4h15m36s
